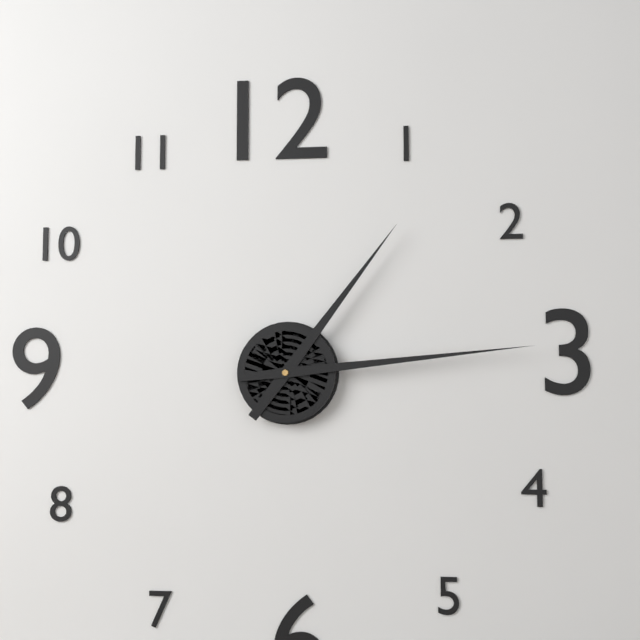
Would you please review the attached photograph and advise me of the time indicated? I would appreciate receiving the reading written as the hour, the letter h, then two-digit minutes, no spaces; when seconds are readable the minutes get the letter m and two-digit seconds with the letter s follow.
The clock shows 1h14
